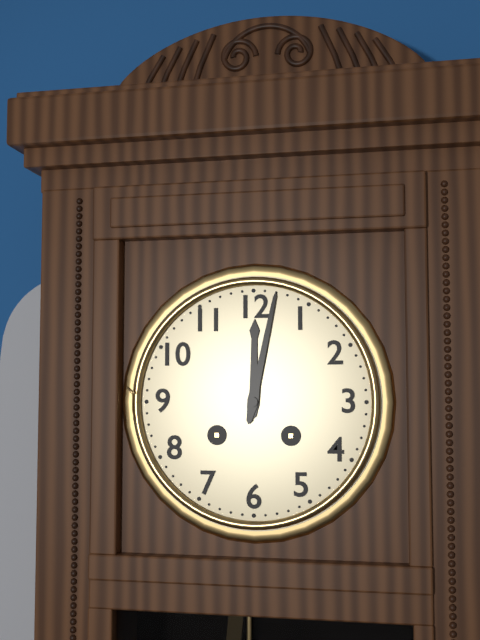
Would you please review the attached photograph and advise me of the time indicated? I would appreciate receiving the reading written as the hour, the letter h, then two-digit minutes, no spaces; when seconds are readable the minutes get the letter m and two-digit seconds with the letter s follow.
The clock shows 12h02
